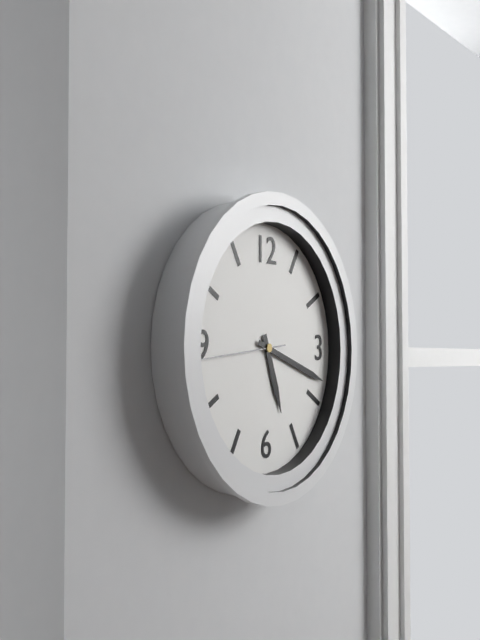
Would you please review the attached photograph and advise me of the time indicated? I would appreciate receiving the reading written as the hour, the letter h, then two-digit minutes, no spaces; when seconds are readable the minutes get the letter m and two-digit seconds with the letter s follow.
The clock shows 5h18m44s
